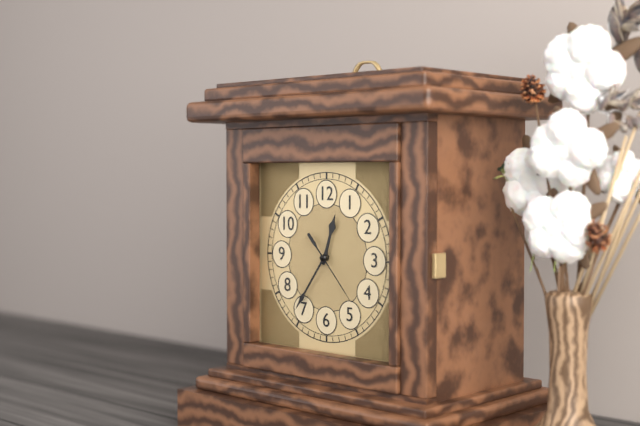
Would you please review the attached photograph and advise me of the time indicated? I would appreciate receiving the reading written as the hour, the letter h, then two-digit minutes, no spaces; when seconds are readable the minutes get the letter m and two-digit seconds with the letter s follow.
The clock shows 12h36m23s
